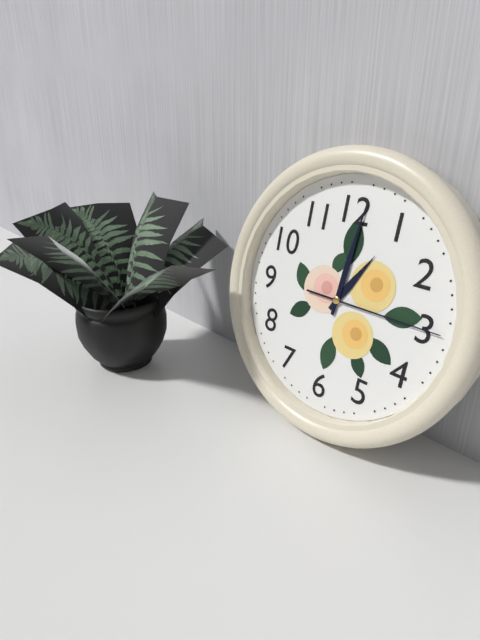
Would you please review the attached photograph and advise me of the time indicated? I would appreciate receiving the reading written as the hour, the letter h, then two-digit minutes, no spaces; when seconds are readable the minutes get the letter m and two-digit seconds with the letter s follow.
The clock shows 1h01m15s
